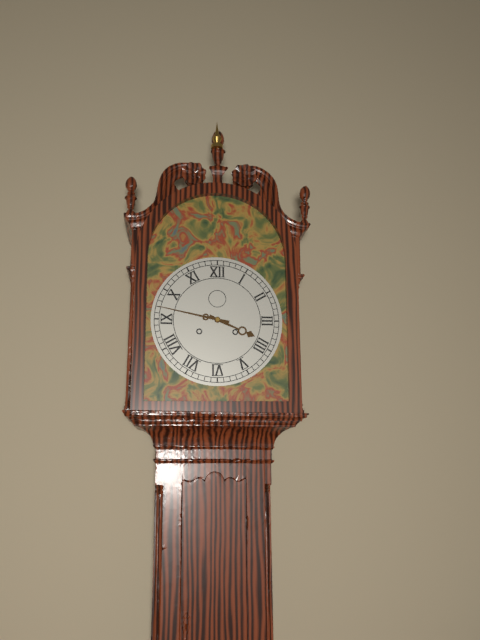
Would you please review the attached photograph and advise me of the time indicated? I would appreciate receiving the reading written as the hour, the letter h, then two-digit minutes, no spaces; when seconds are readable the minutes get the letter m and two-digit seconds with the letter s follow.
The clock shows 3h47
